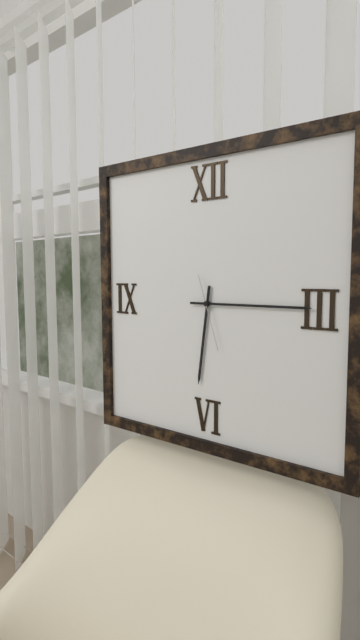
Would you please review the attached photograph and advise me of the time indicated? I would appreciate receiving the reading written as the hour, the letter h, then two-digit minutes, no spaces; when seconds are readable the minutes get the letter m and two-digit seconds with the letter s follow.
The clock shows 6h15m27s
